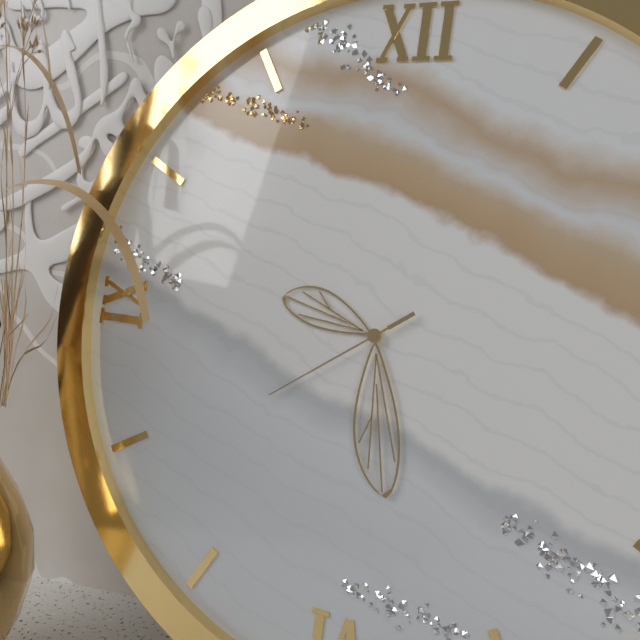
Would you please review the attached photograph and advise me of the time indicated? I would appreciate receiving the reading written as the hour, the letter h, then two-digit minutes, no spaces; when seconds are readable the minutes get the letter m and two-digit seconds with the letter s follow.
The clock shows 9h28m39s
